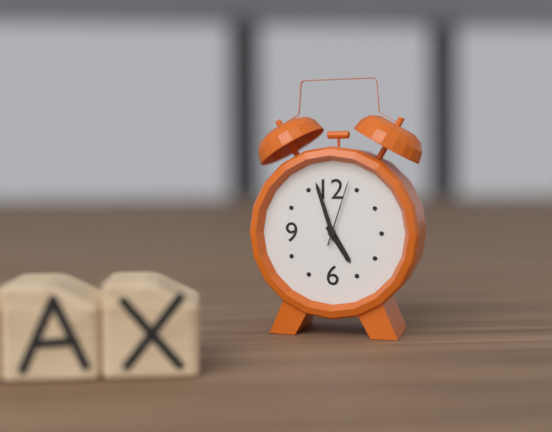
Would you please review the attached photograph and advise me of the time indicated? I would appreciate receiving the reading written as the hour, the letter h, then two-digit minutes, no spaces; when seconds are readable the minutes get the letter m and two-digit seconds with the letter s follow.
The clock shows 4h57m03s
